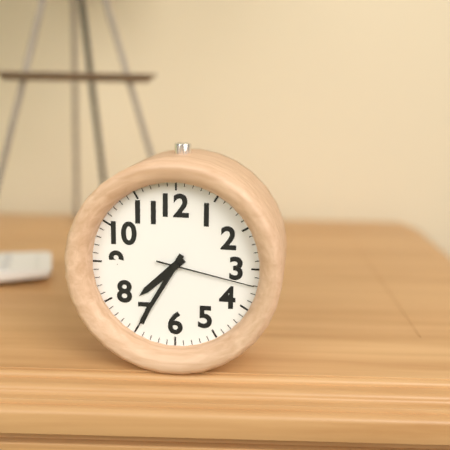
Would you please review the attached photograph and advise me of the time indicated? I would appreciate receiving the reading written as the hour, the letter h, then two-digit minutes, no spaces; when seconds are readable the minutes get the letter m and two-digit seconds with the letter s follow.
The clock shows 7h35m17s
